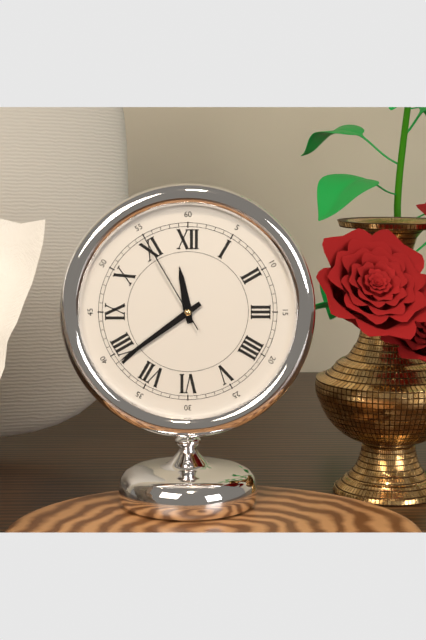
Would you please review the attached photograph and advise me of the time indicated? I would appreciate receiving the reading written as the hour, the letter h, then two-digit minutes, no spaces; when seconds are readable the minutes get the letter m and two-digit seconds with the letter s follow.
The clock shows 11h39m55s
